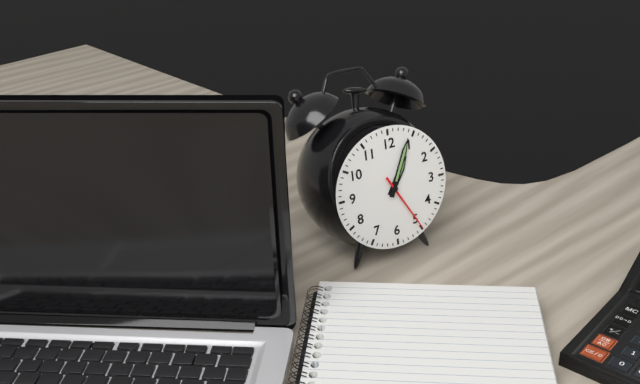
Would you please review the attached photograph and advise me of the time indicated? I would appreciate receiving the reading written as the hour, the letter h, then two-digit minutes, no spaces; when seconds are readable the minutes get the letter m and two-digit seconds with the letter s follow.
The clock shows 1h04m25s
